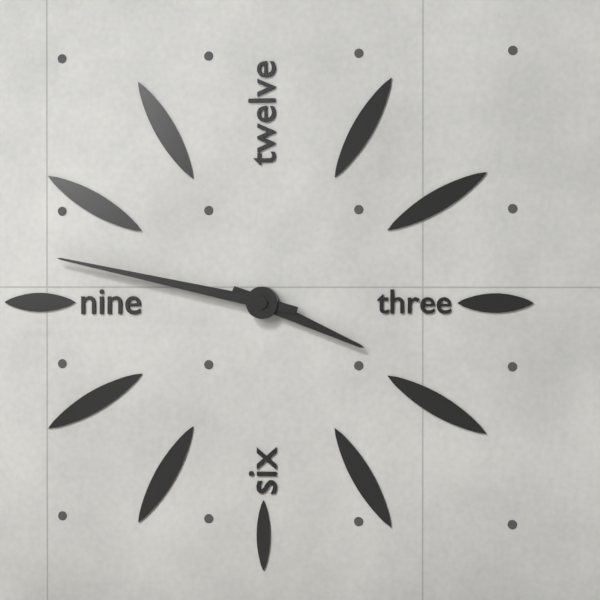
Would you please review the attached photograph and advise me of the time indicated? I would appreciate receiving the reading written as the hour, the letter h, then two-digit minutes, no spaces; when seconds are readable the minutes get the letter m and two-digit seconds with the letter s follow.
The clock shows 3h47
